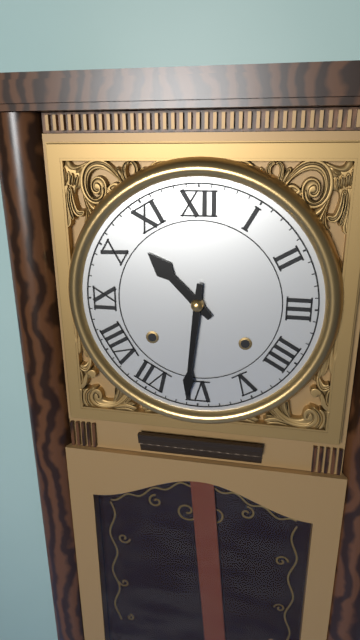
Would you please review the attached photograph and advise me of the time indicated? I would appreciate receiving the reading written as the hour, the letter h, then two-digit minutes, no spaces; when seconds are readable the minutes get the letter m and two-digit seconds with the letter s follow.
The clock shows 10h31
